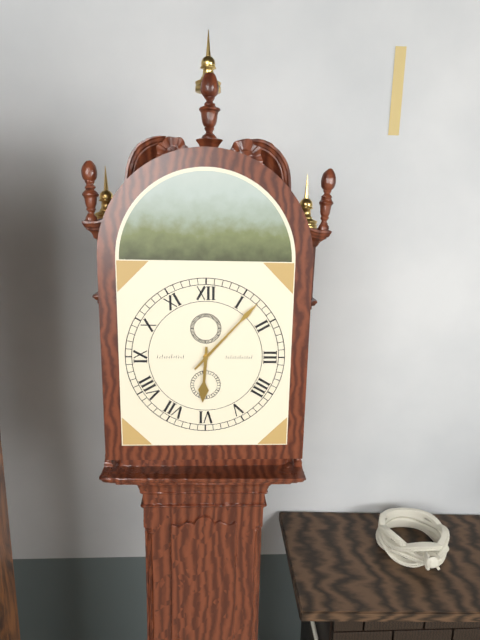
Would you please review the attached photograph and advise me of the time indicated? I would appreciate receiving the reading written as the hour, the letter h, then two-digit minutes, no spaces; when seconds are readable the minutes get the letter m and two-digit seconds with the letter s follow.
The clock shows 6h07
